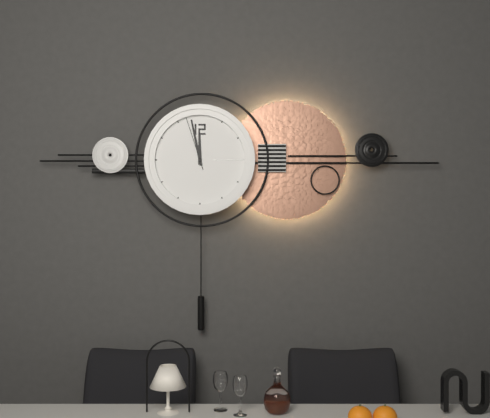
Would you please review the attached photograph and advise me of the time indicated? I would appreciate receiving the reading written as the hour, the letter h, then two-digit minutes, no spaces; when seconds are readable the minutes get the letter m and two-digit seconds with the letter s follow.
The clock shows 11h58m57s
